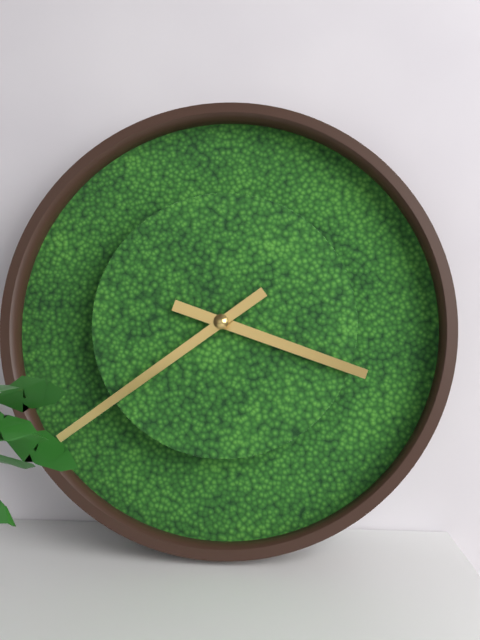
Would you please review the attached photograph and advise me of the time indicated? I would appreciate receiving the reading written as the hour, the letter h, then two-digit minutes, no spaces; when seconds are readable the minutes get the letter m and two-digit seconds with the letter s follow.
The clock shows 3h39
